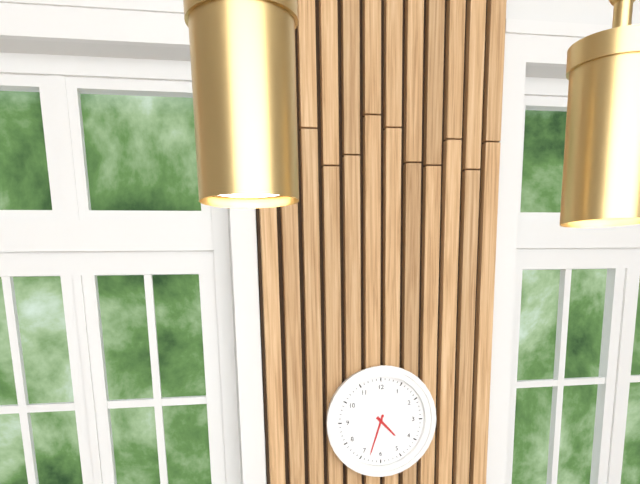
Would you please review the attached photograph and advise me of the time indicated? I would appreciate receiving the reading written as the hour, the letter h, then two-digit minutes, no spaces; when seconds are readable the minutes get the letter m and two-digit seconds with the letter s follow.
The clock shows 4h33
